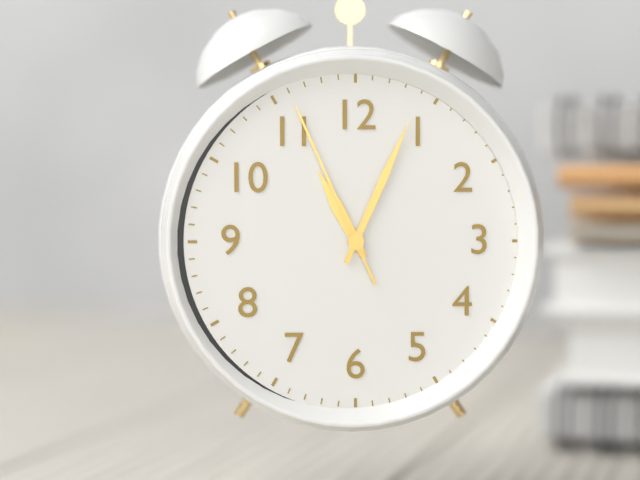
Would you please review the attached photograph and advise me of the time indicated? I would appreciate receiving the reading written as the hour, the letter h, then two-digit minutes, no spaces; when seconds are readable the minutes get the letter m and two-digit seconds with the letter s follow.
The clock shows 11h04m56s
